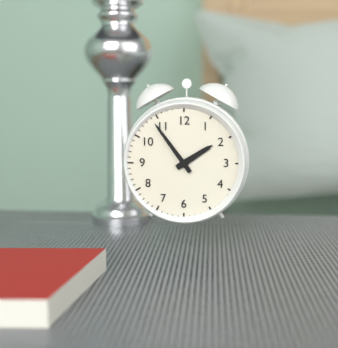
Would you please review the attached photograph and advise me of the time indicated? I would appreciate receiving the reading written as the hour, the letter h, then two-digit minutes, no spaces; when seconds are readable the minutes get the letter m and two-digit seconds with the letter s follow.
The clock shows 1h54
